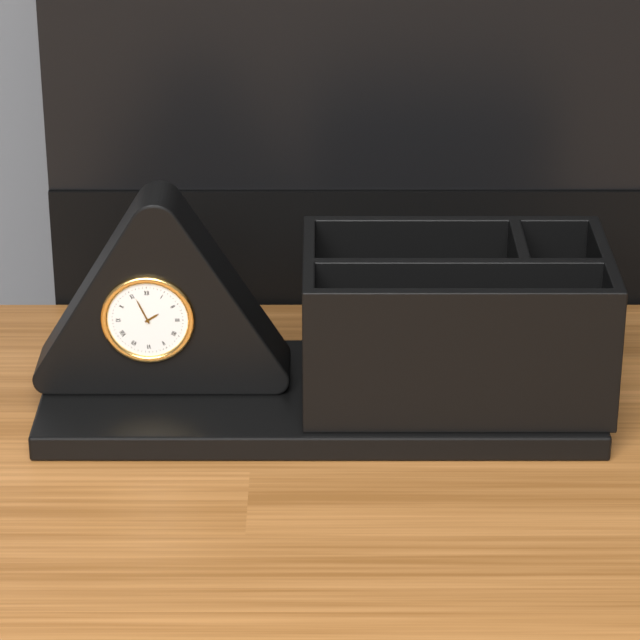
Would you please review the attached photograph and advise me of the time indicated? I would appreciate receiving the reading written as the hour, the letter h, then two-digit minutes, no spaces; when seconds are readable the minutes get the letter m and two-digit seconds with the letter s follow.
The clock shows 1h56
